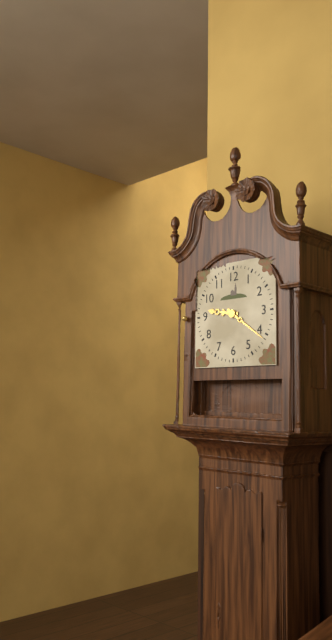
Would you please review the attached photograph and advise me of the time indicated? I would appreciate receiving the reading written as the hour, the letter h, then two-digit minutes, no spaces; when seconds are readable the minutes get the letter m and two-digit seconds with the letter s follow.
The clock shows 9h21
